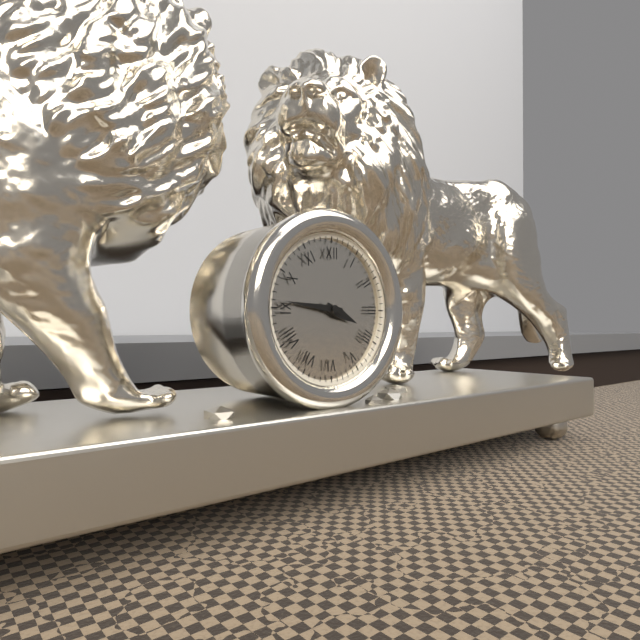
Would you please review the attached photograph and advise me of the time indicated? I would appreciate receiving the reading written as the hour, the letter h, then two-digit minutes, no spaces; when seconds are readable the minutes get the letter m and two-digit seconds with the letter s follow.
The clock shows 3h46
